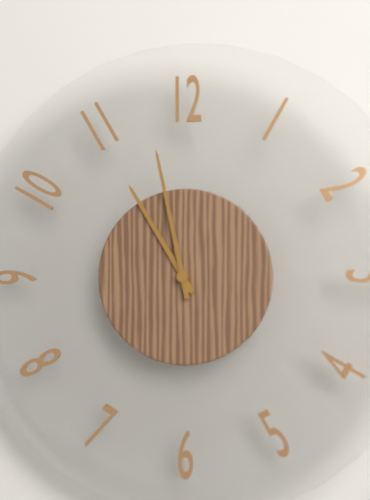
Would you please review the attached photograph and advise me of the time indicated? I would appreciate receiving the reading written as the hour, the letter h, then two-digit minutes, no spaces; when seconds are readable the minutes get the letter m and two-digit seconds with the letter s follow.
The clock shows 10h58
